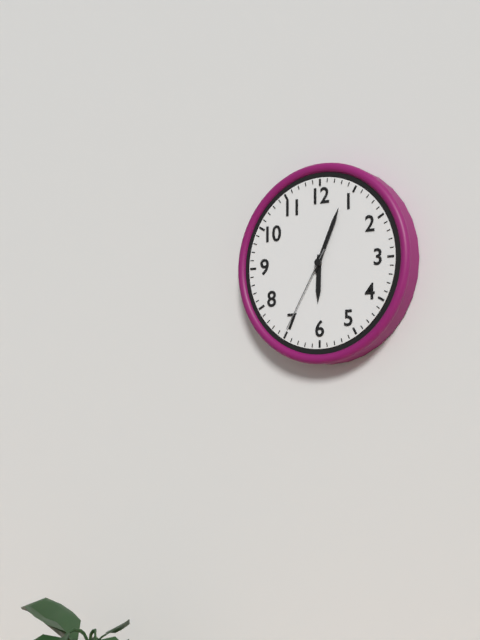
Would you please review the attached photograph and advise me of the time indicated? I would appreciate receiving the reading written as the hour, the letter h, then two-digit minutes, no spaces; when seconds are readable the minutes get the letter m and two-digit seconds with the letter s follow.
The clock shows 6h04m35s
